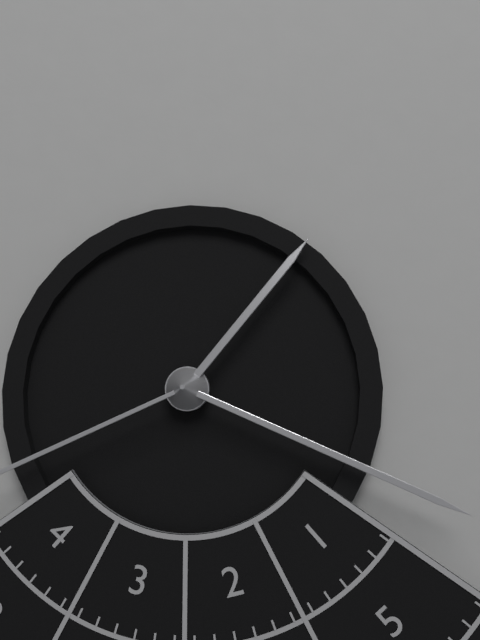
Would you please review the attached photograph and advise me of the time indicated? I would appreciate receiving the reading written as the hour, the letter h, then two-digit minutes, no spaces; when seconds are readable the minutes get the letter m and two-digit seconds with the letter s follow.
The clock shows 1h19
